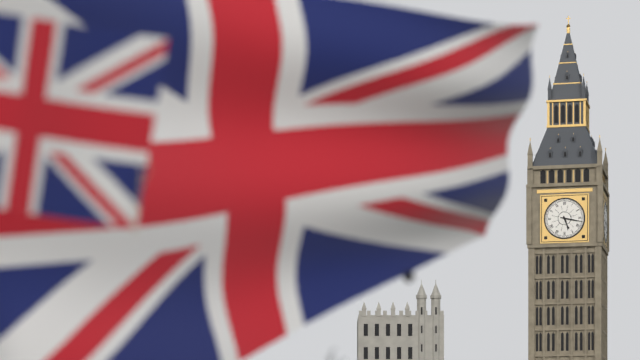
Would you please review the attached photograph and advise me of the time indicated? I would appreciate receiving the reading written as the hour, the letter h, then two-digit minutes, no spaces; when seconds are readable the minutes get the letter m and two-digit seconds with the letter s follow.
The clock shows 5h17
